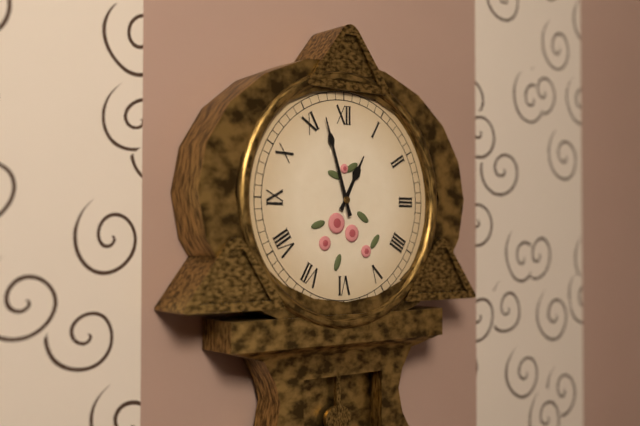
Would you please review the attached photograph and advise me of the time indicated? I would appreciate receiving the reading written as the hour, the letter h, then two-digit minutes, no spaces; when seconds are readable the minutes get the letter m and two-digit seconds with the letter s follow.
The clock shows 12h57
